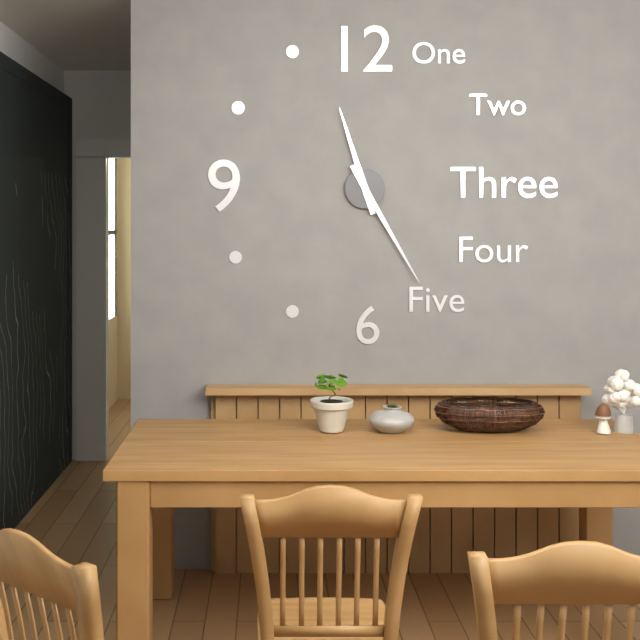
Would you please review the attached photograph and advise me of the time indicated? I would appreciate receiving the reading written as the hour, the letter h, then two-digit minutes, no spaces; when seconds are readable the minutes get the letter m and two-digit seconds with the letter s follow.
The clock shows 11h25
